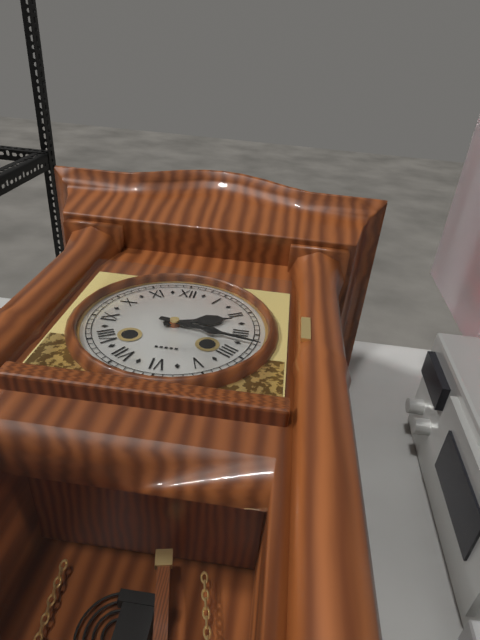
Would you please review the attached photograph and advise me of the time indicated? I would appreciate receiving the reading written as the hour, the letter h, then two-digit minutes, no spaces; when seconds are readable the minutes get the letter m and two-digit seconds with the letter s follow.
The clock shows 2h17
